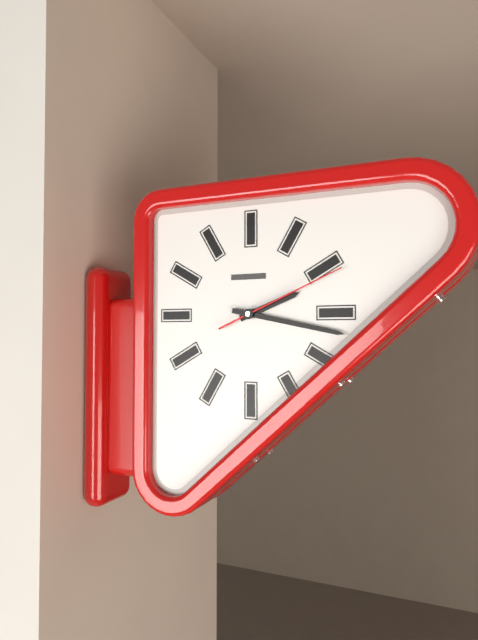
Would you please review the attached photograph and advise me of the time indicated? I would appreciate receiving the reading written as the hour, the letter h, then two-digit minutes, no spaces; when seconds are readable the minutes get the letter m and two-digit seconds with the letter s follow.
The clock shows 2h17m11s
